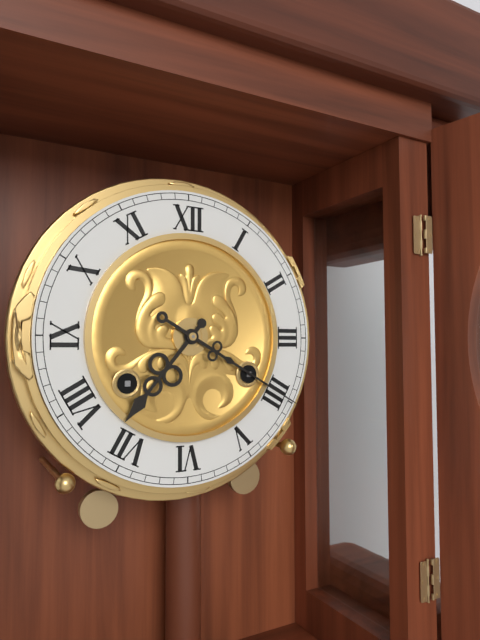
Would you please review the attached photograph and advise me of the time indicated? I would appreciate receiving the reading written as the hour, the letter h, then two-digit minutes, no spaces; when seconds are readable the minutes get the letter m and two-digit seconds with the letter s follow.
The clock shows 7h20
